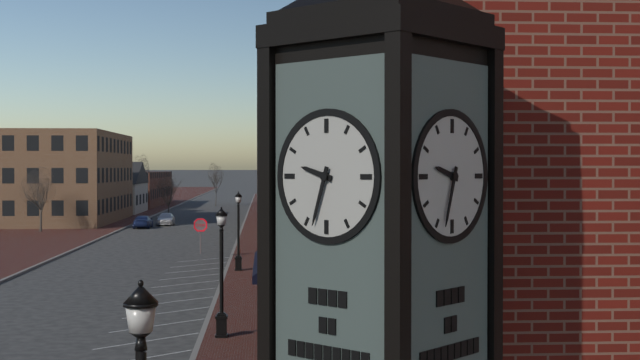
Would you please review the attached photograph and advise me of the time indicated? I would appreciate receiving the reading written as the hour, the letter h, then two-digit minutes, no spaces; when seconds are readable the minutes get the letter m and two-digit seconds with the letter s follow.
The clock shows 9h33
